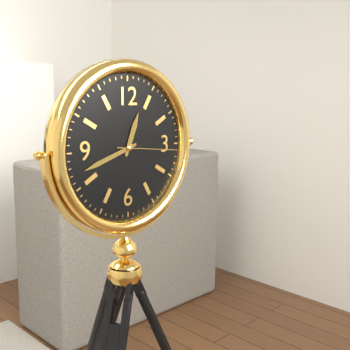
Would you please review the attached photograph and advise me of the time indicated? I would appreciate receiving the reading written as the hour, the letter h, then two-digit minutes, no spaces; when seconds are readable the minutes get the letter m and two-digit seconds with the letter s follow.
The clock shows 12h42m16s
